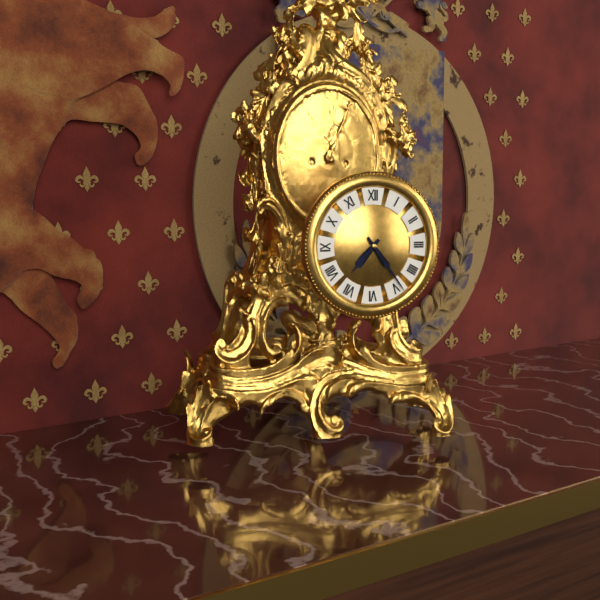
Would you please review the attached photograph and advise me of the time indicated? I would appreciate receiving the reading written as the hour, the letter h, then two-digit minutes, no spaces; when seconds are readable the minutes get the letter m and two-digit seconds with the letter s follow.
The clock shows 7h24
